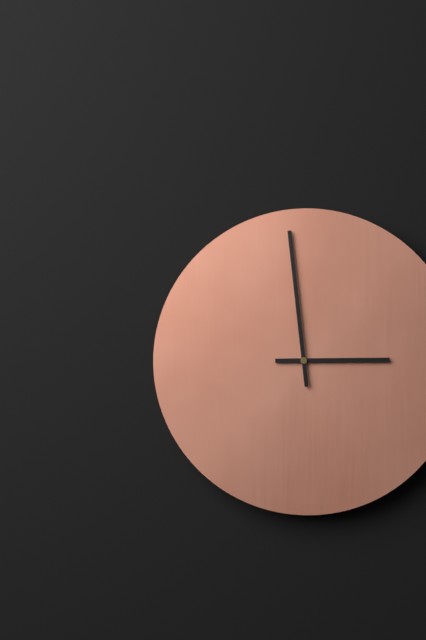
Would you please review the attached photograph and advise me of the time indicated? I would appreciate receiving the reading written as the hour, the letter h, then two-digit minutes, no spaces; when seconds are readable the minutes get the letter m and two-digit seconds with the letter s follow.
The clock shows 2h59
